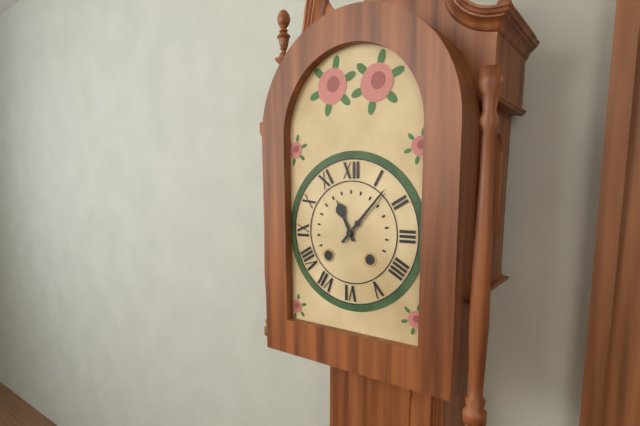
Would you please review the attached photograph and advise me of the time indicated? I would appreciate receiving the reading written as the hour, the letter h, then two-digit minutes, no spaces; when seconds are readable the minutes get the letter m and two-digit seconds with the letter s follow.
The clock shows 11h07
